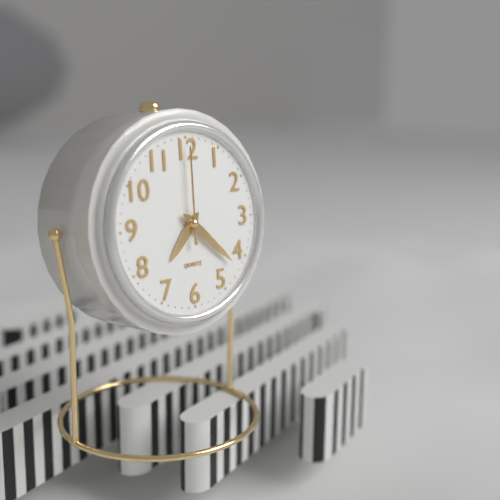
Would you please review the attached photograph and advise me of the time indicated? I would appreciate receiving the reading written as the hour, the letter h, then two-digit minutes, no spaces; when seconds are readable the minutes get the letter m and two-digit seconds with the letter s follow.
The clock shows 7h22m00s
